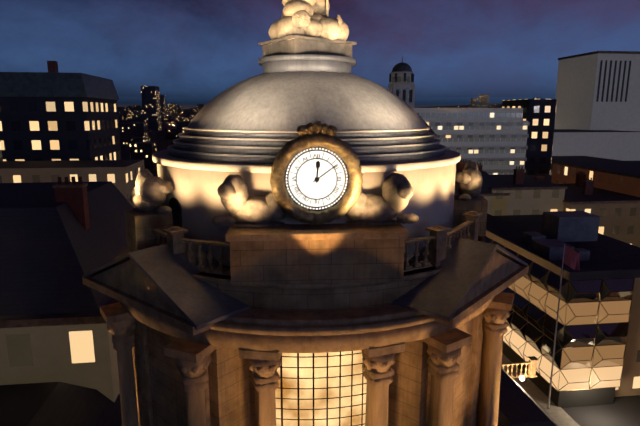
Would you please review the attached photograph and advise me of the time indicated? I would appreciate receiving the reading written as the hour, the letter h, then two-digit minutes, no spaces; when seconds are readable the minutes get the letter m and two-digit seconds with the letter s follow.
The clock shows 12h09
